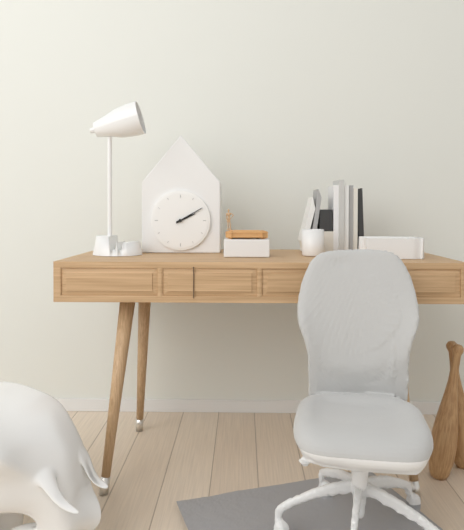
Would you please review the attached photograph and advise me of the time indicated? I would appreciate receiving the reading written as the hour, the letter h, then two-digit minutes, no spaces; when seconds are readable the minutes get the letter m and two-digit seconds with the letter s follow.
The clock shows 2h10
